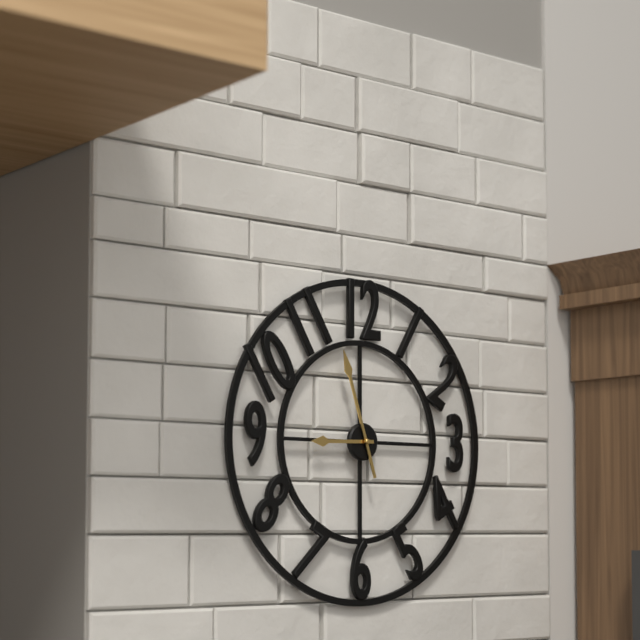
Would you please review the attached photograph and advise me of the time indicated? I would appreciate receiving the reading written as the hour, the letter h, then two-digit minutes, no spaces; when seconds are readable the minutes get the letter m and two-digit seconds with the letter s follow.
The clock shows 8h57
